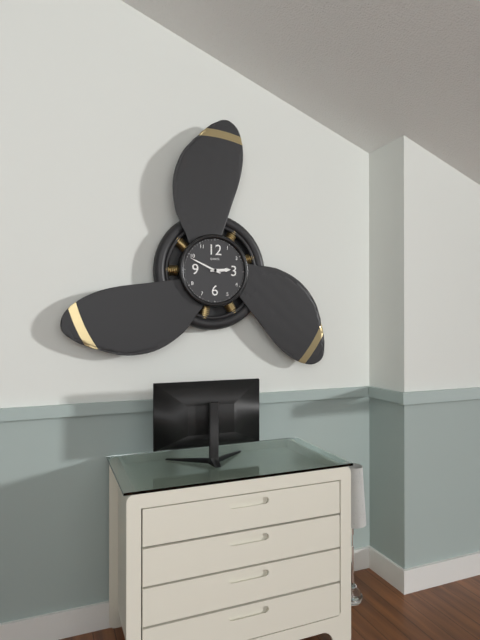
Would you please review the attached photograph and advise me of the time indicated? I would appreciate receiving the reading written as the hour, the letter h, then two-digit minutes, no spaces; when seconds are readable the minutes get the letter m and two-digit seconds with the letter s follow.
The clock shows 2h49
